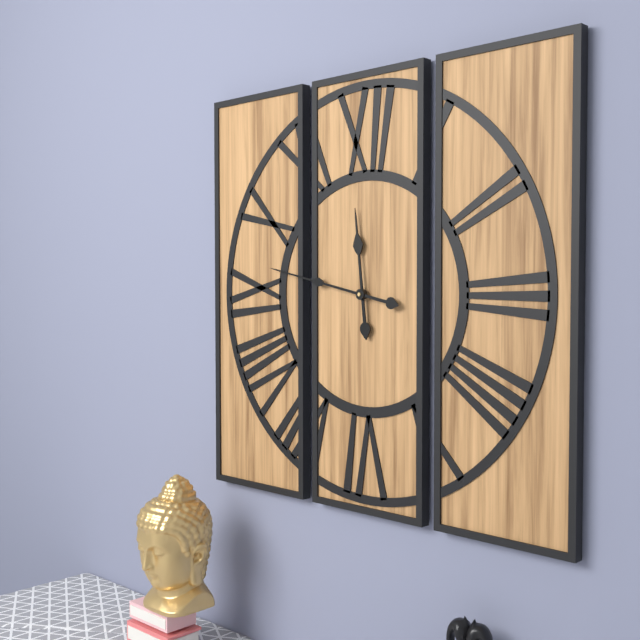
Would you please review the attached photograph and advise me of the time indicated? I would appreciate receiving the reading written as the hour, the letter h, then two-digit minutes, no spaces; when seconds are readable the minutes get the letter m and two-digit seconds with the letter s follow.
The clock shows 11h47
